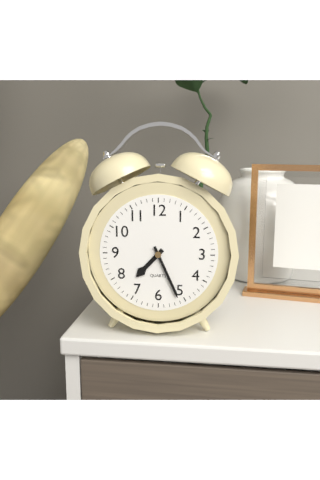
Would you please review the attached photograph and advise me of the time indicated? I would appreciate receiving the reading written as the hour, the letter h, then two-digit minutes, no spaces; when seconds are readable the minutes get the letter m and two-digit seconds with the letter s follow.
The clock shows 7h26
